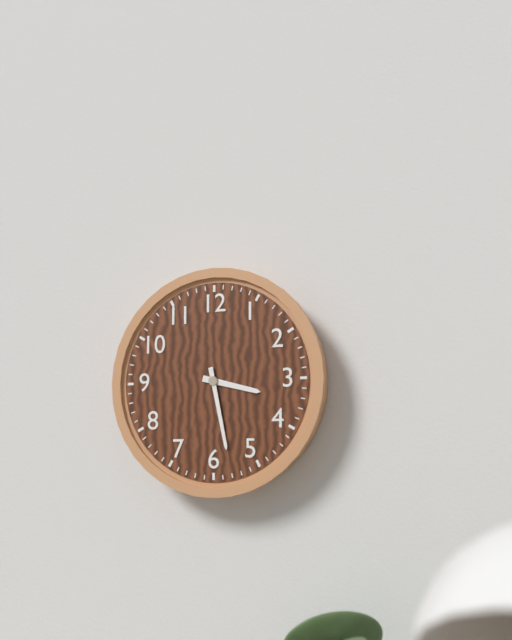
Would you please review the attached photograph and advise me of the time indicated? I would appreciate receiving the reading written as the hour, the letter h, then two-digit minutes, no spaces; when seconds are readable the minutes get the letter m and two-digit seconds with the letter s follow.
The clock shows 3h28
